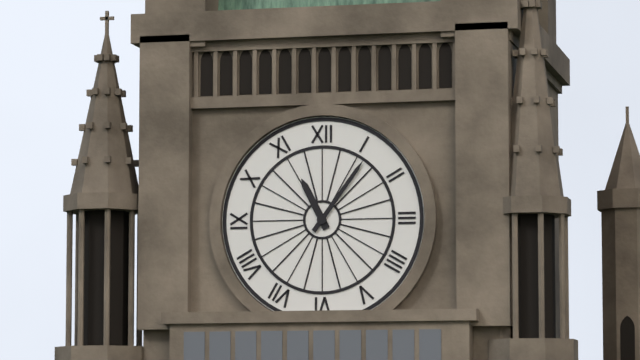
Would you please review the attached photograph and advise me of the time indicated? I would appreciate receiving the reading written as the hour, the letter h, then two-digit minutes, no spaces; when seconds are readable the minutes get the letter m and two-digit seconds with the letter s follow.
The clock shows 11h06
